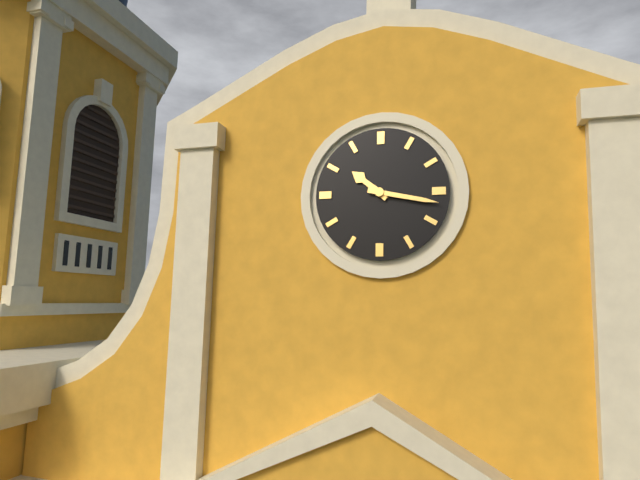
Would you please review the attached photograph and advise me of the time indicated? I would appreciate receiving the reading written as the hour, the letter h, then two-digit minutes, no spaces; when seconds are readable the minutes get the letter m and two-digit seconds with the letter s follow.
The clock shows 10h17
